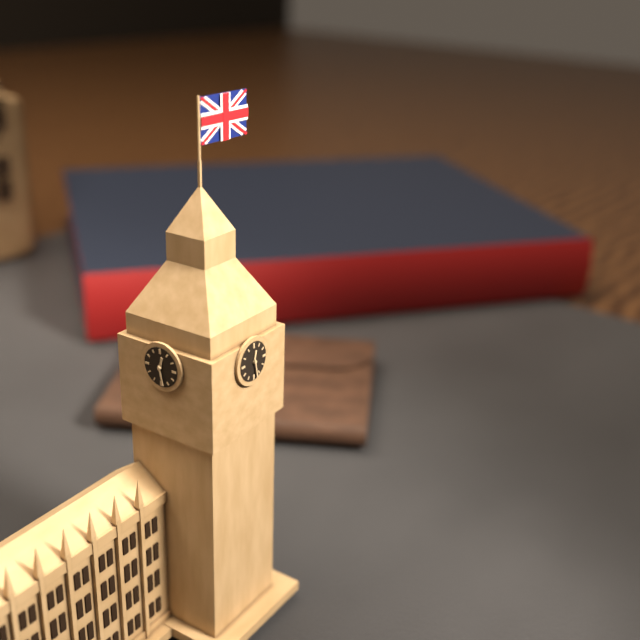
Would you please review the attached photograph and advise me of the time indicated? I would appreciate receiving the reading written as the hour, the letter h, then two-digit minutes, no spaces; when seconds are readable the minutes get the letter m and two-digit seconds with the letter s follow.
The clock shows 12h28
